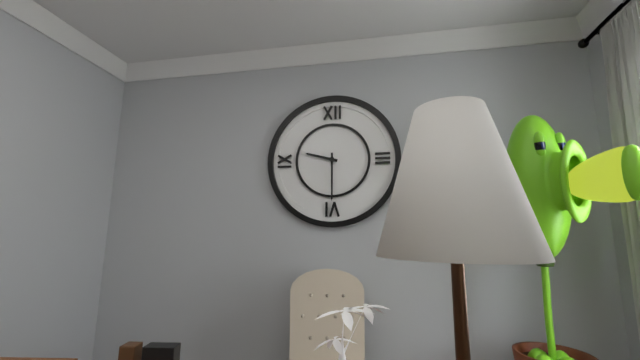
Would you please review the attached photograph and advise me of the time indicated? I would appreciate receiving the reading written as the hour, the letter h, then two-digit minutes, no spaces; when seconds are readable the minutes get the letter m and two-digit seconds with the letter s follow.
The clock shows 9h30
